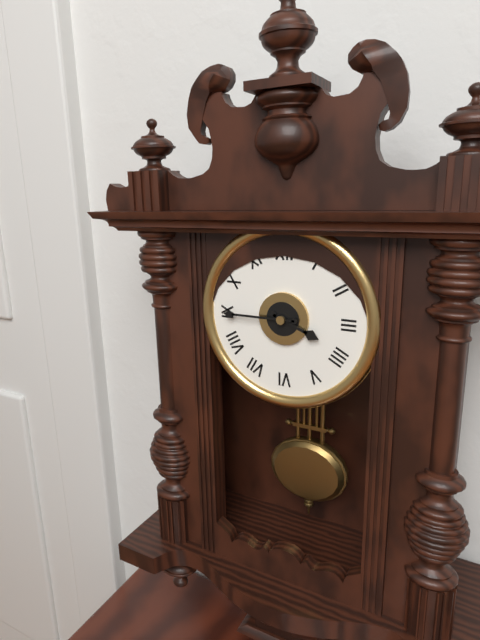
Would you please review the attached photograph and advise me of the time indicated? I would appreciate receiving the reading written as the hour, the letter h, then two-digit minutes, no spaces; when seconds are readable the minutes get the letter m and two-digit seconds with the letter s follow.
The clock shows 3h45
